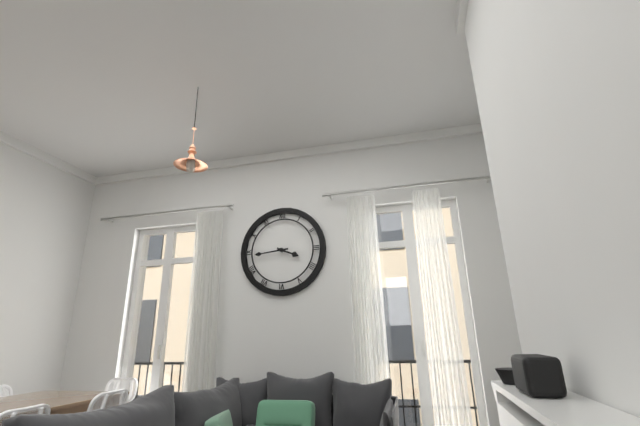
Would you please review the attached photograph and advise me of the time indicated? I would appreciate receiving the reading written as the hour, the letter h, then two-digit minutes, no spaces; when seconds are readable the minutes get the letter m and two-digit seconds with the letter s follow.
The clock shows 3h44
